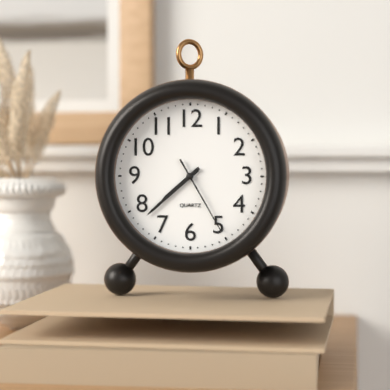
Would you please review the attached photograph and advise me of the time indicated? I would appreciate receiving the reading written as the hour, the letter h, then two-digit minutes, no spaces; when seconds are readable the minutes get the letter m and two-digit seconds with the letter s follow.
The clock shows 7h38m25s
